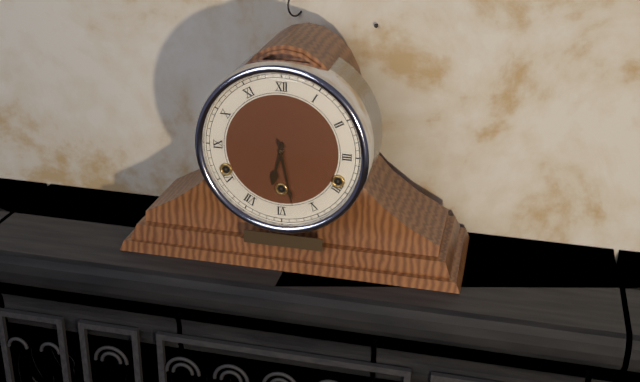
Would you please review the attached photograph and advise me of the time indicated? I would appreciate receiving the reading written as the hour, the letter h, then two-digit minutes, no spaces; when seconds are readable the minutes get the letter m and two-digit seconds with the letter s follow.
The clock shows 6h28
